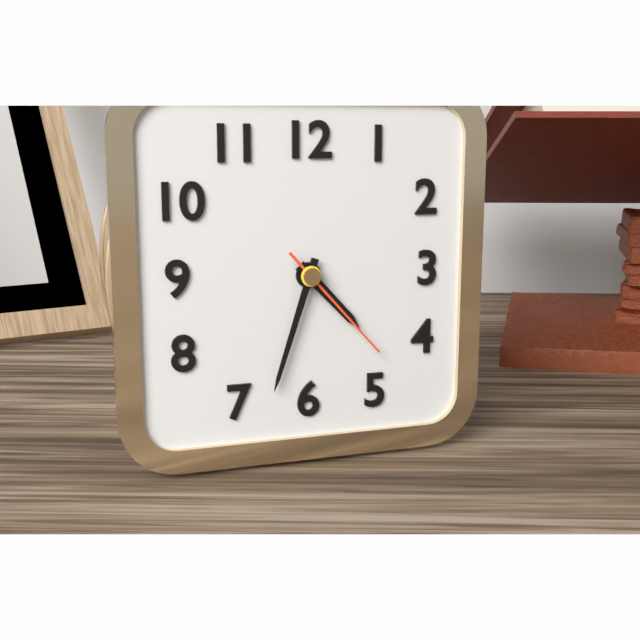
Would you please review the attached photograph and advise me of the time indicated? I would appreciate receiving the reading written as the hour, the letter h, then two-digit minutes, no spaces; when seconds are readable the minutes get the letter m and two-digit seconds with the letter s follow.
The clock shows 4h33m23s
